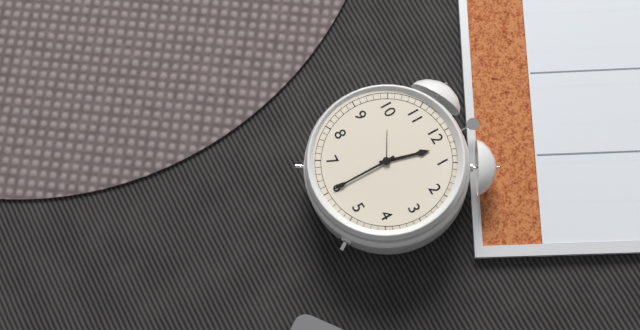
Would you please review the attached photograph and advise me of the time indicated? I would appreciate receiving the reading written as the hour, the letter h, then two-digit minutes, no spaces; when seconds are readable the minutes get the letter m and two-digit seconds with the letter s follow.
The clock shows 12h30
